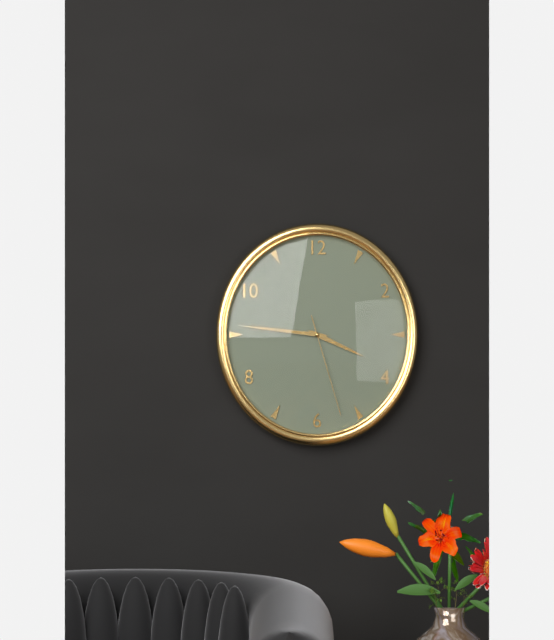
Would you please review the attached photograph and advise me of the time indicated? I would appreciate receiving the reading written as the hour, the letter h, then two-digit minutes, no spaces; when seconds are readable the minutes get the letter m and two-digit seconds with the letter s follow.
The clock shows 3h46m27s
